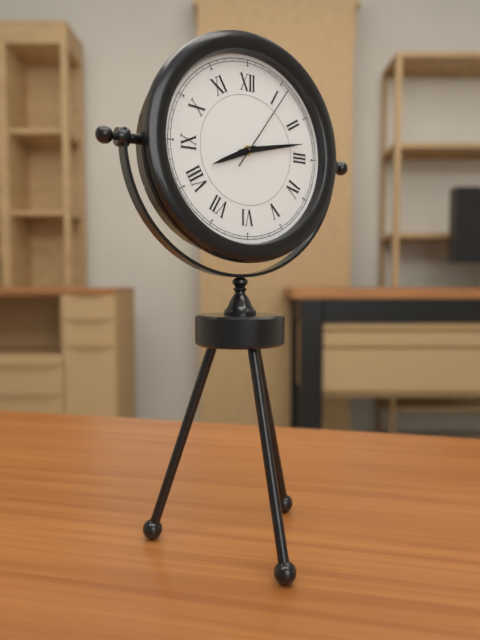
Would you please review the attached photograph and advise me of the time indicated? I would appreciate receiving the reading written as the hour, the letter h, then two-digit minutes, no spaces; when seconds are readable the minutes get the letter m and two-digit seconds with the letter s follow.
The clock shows 8h13m06s
